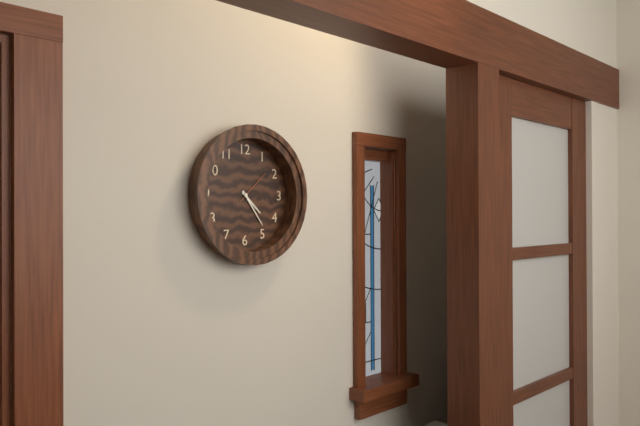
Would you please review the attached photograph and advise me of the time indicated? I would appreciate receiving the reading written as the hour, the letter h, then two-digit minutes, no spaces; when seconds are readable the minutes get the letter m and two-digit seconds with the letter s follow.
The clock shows 4h24
